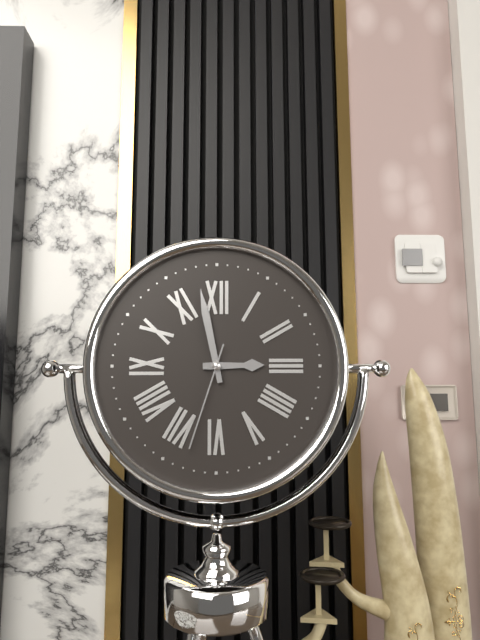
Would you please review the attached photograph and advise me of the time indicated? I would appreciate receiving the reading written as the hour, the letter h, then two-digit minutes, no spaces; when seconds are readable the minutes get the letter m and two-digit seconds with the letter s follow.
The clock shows 2h58m33s
